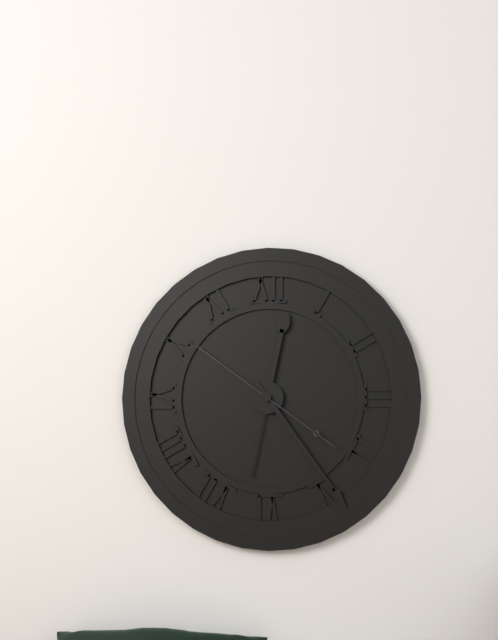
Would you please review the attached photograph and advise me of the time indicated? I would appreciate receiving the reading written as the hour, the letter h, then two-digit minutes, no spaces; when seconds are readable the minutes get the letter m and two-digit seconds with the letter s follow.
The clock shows 12h24m51s
